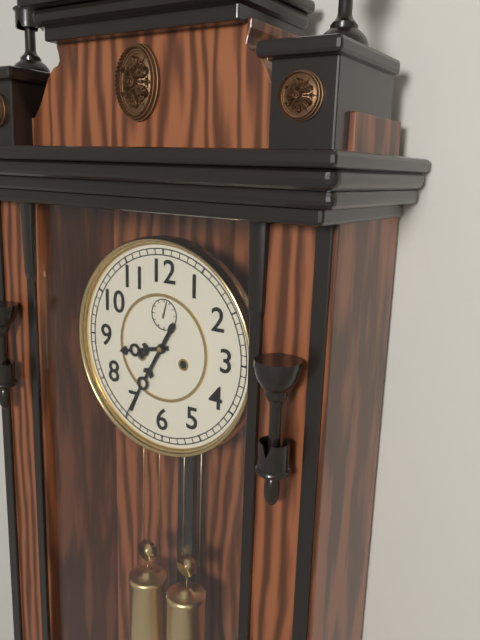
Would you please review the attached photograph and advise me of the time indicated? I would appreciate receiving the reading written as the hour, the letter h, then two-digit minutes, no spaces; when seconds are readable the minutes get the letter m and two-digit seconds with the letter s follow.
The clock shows 8h35
